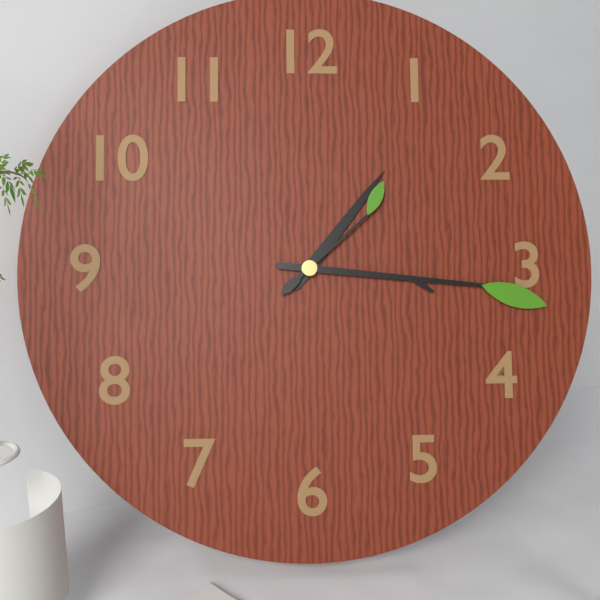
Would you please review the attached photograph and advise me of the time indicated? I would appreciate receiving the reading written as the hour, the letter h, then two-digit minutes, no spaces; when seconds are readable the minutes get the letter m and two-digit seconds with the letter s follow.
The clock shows 1h16m08s
